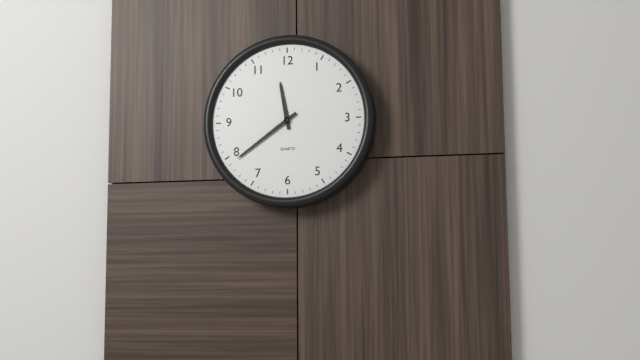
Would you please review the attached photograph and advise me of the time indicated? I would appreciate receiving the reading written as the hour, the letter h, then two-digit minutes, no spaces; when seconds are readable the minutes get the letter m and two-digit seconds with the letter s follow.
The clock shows 11h39
